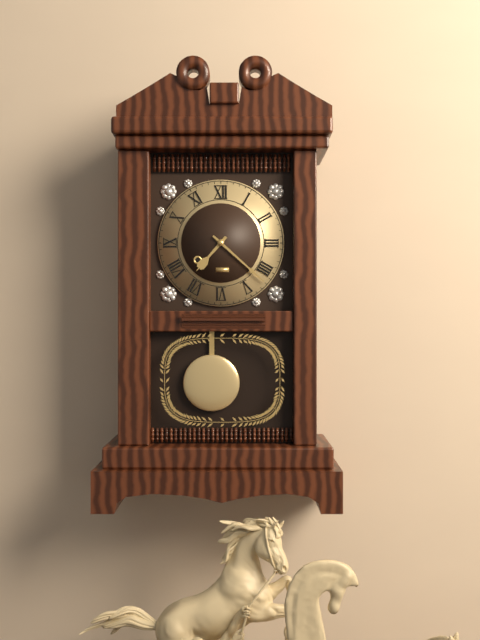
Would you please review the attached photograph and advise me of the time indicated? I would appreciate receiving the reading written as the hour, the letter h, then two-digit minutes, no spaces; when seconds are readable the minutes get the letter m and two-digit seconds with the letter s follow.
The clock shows 7h22
